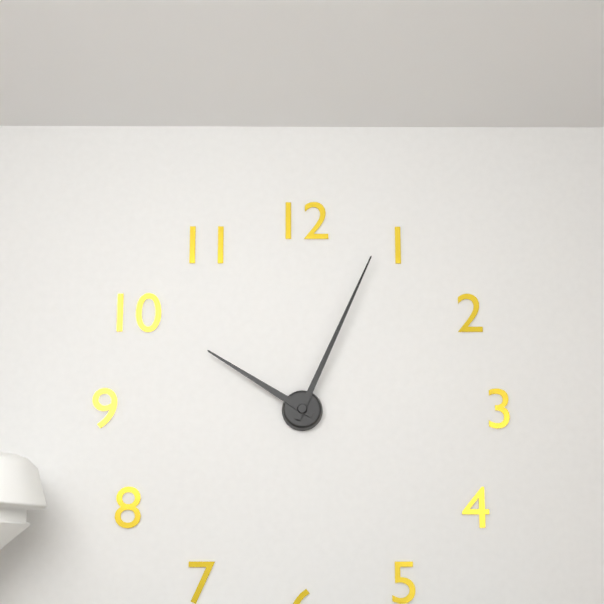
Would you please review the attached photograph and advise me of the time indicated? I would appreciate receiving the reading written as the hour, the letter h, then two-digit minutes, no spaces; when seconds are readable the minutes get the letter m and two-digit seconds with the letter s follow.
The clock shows 10h04
